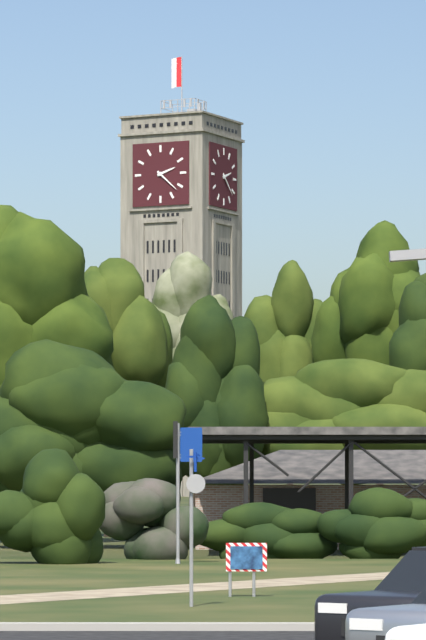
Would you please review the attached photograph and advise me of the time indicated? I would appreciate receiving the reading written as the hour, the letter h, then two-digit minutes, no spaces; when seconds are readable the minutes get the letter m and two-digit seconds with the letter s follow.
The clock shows 2h22
